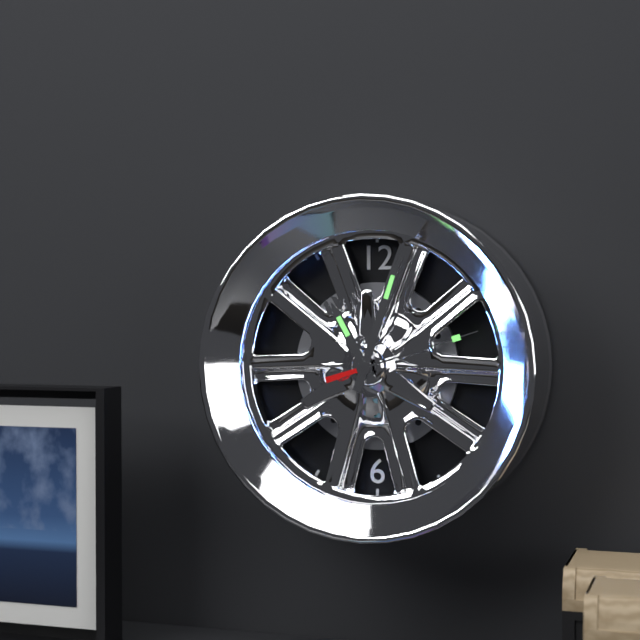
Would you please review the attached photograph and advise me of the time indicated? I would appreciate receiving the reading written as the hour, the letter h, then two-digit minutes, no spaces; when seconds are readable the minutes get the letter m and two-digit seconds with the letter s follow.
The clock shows 11h03m12s
